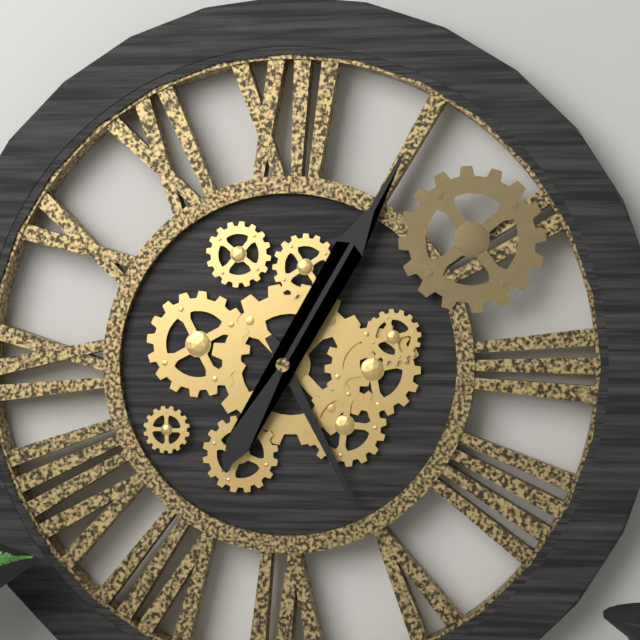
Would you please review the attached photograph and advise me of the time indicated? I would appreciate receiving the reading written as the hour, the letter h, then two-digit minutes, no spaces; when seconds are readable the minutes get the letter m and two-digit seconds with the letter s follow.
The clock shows 5h05
